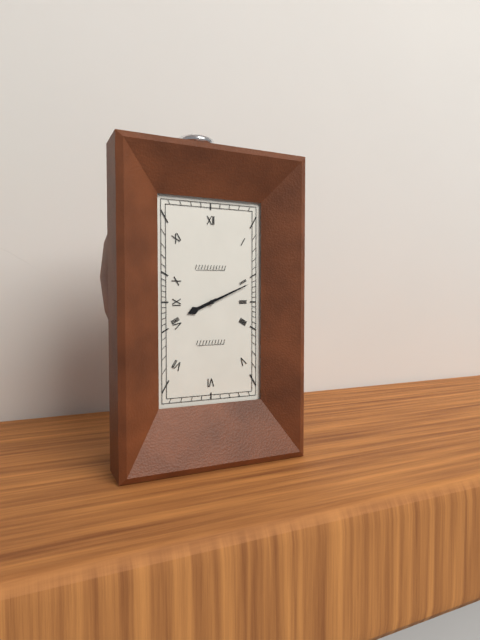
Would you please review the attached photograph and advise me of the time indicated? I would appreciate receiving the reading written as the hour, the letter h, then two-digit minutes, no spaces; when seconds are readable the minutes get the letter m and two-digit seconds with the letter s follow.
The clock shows 8h11
